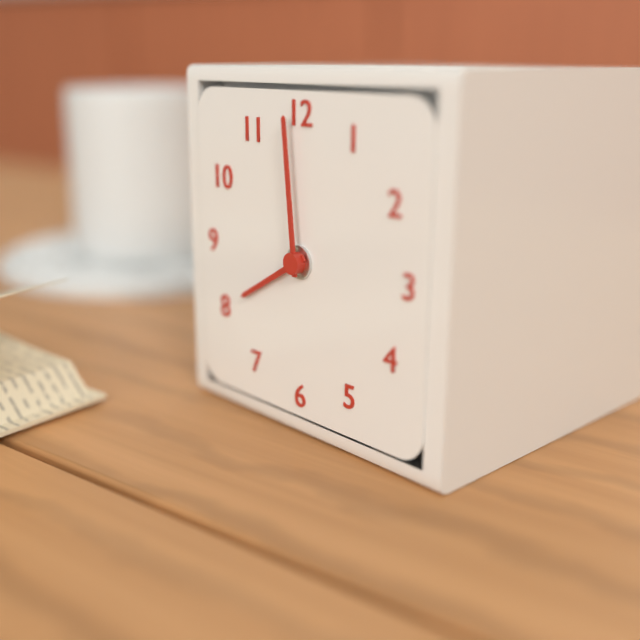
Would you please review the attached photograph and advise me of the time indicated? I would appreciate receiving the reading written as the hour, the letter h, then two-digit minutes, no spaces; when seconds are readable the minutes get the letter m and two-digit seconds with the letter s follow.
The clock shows 7h59
